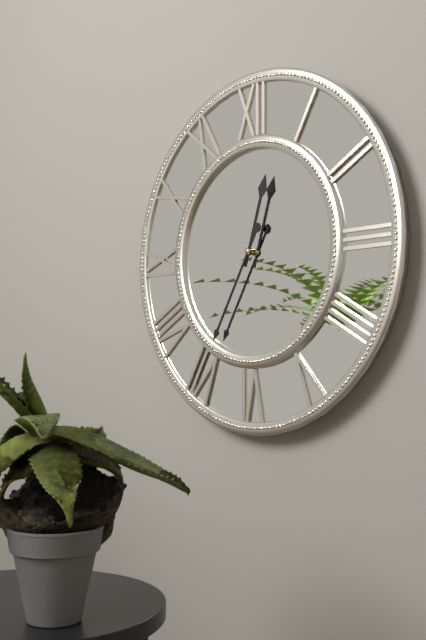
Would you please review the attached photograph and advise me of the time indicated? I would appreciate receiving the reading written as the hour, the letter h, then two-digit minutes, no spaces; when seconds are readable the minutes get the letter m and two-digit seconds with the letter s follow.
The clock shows 12h35
